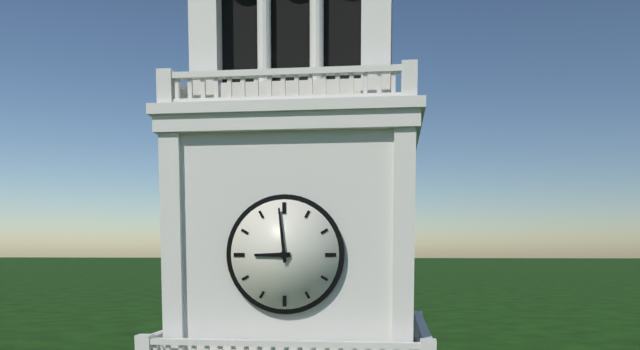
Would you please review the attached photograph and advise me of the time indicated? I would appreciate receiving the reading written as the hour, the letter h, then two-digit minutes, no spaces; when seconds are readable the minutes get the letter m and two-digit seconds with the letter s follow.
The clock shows 8h59
